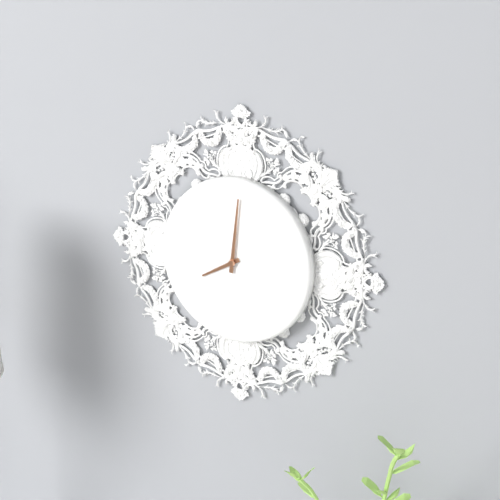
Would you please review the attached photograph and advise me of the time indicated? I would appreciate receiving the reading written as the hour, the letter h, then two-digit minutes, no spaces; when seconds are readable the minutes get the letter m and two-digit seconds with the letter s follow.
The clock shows 8h01
